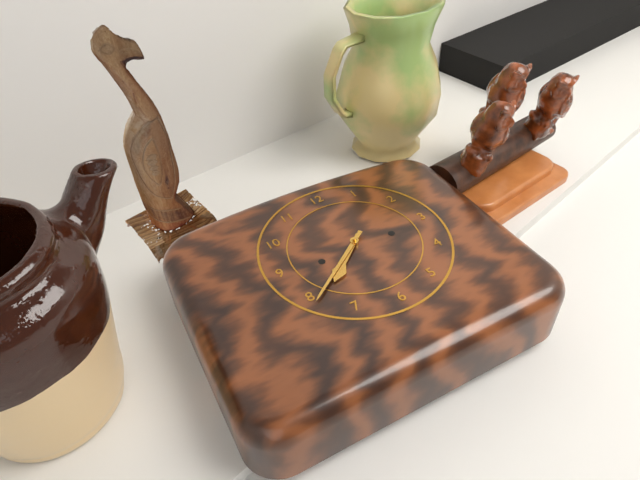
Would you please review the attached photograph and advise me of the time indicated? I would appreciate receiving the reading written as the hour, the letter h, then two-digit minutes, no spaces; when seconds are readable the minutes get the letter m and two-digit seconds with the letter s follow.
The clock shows 7h39
